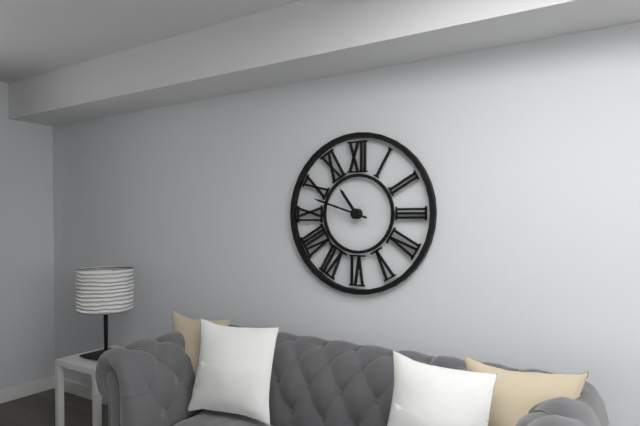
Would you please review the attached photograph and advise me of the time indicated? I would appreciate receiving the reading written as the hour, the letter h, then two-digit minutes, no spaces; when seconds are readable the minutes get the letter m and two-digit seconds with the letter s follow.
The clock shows 10h48
